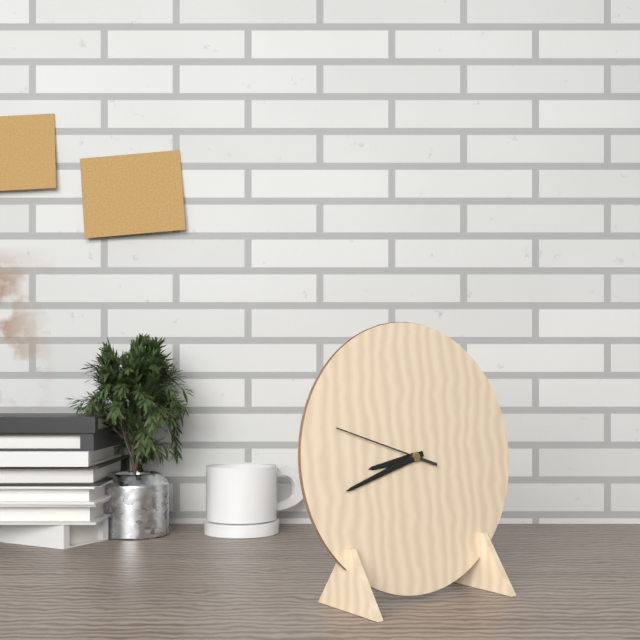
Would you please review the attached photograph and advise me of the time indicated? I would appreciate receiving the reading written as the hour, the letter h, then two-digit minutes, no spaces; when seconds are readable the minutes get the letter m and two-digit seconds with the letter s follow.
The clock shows 8h42m48s
